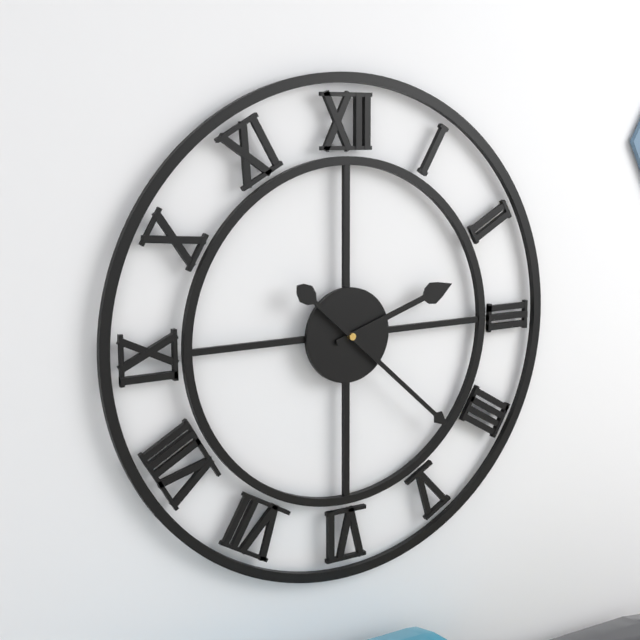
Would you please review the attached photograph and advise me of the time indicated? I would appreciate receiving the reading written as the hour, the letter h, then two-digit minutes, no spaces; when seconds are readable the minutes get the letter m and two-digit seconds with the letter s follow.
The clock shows 2h22
